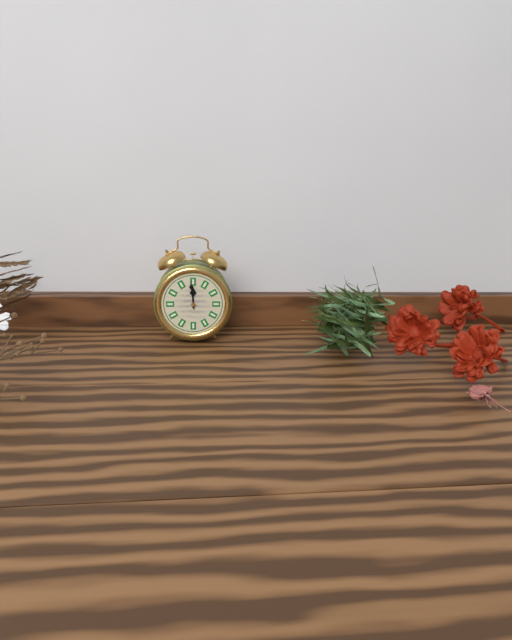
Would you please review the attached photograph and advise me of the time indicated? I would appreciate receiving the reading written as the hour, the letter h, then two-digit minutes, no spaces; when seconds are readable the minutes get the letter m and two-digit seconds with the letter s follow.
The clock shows 11h59
